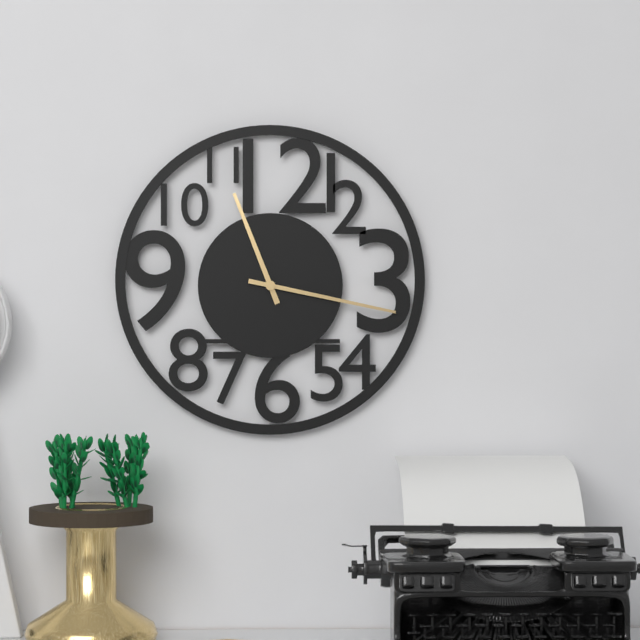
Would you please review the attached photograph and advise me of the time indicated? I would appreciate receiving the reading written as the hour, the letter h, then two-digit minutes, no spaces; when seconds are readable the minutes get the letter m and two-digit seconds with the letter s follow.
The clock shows 11h17
